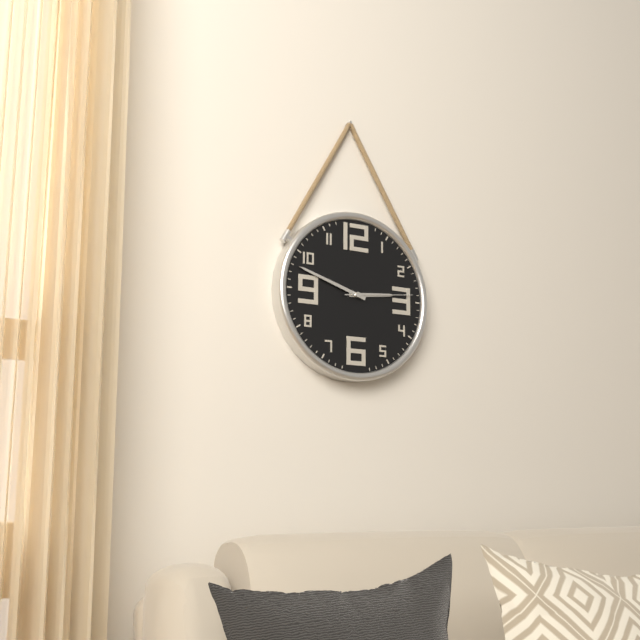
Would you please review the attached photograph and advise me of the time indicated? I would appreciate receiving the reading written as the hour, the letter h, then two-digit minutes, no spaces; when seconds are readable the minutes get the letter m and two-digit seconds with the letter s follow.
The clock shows 2h48m14s
